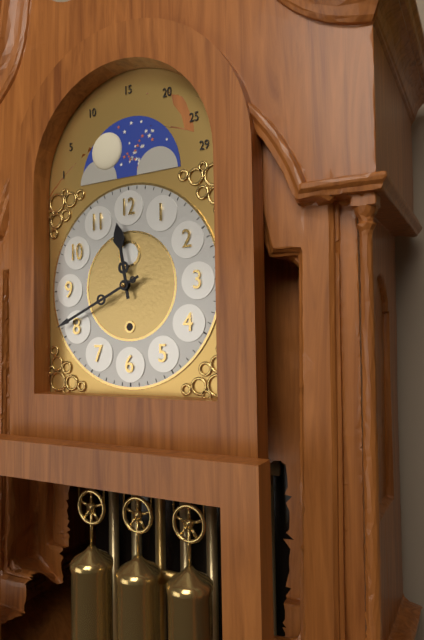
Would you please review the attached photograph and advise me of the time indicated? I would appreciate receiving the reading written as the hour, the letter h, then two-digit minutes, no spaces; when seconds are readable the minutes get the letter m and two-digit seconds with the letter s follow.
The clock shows 11h41
